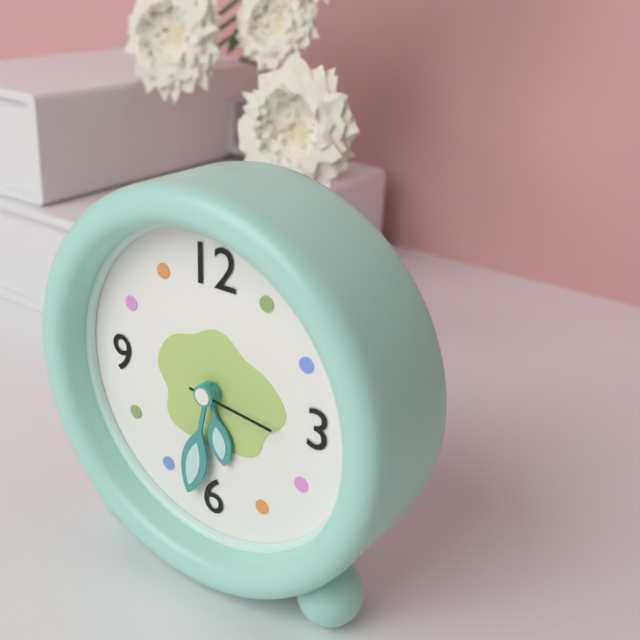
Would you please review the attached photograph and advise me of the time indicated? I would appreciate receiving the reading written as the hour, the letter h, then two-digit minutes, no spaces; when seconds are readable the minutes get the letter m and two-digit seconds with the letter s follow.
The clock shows 5h32m16s
